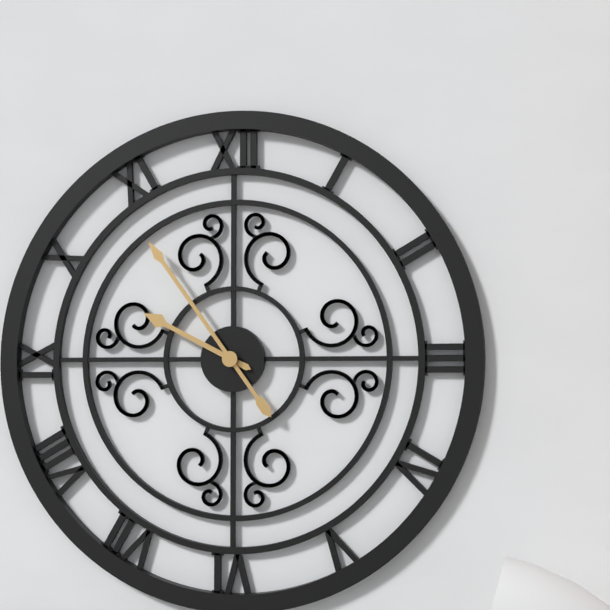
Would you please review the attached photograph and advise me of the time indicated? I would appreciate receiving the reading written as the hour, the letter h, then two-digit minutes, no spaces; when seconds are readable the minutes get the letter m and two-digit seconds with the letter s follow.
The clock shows 9h54
